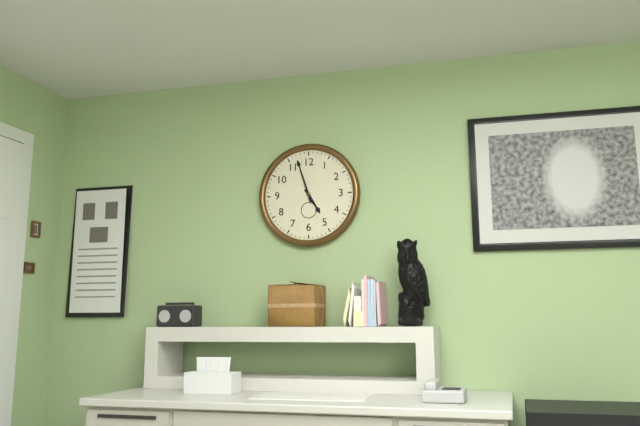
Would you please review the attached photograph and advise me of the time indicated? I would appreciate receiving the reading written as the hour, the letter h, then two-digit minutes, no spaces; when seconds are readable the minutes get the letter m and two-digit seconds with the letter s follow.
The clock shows 4h57
